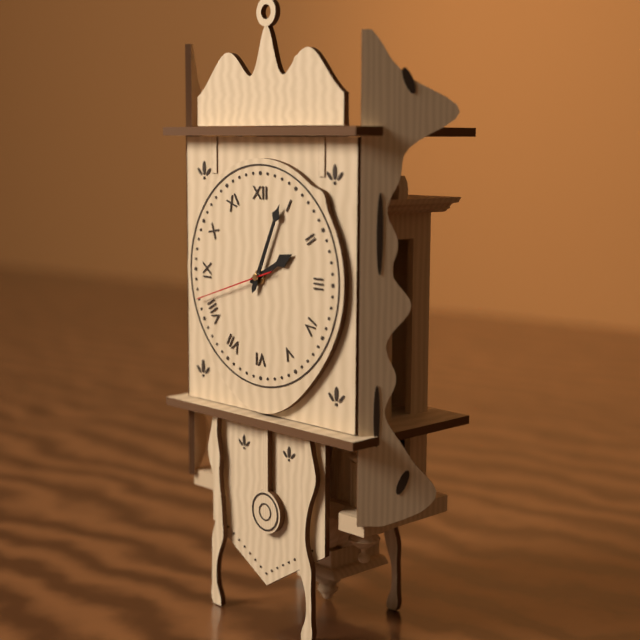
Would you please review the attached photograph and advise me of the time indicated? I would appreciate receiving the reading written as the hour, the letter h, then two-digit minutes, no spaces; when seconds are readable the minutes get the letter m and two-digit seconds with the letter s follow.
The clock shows 2h04m42s
